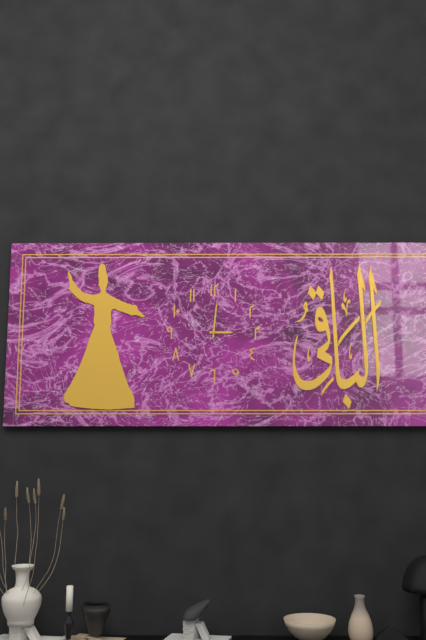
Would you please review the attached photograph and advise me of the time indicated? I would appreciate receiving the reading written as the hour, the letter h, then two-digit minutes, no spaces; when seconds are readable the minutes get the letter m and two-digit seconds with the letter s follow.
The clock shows 3h01
